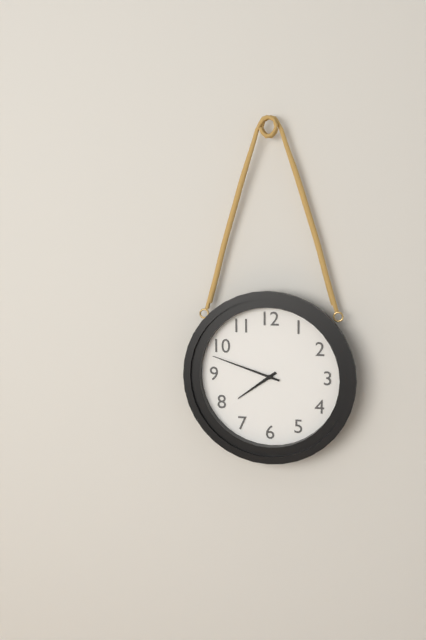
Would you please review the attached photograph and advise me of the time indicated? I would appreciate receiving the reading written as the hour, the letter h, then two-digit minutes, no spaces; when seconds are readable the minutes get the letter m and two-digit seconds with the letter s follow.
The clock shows 7h48
